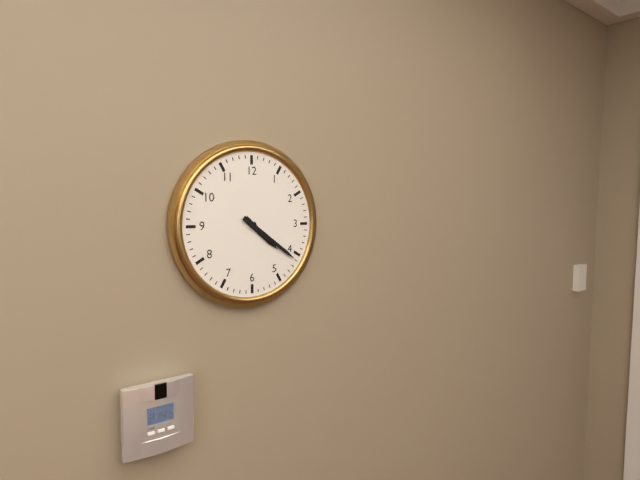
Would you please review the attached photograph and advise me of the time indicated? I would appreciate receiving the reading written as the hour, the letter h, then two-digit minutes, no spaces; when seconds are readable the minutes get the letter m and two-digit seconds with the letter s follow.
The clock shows 4h21
